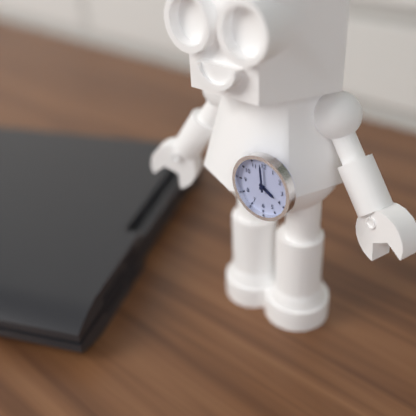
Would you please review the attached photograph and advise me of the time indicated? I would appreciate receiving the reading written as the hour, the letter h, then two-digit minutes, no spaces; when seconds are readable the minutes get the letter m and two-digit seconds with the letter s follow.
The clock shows 3h59
